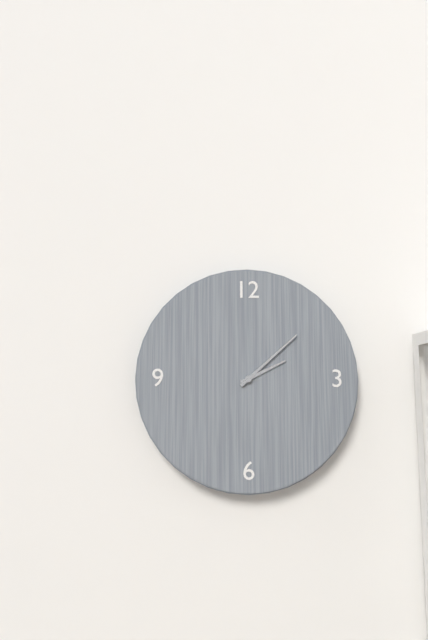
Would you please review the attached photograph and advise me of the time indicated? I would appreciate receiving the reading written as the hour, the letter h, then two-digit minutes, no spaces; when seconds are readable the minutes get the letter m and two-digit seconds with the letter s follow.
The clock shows 2h08
